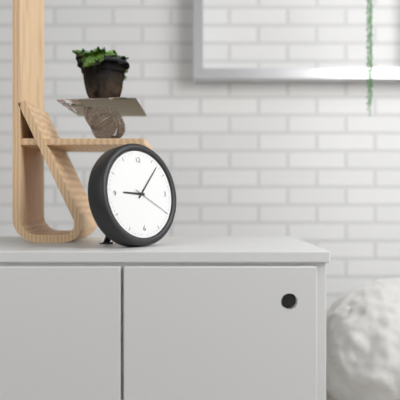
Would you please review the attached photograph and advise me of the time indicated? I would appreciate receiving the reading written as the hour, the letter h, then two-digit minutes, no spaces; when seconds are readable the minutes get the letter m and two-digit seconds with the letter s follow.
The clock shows 9h07
